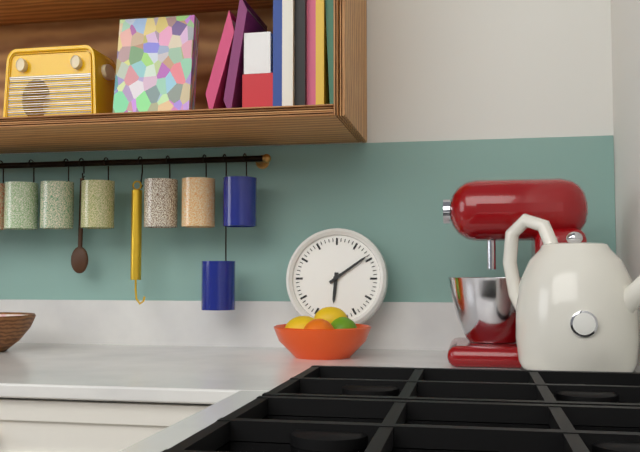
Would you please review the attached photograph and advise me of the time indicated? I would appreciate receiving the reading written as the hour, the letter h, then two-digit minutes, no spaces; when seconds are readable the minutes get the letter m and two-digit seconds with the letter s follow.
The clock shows 6h09
